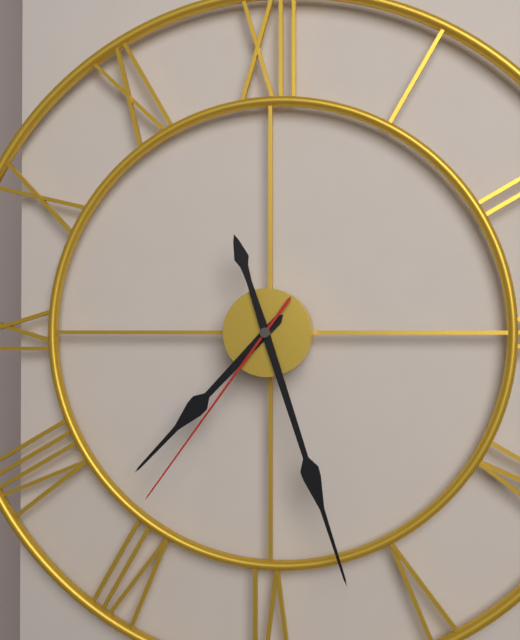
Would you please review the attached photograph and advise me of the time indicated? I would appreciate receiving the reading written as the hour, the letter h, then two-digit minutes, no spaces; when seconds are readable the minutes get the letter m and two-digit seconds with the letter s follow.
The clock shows 7h27m36s
